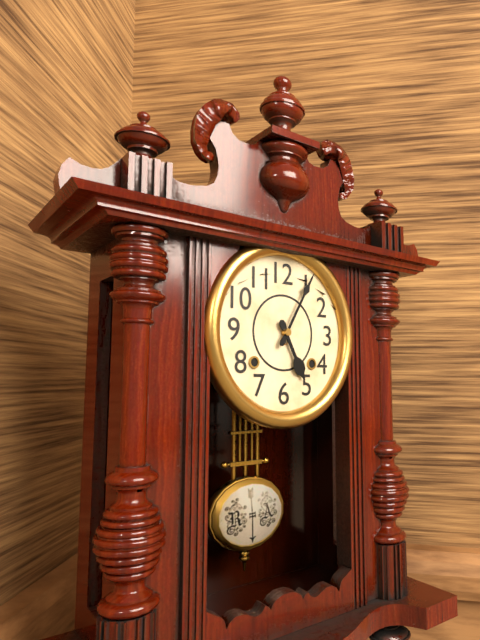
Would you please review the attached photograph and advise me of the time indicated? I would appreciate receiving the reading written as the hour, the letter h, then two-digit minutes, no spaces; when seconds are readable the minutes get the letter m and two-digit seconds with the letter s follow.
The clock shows 5h05
